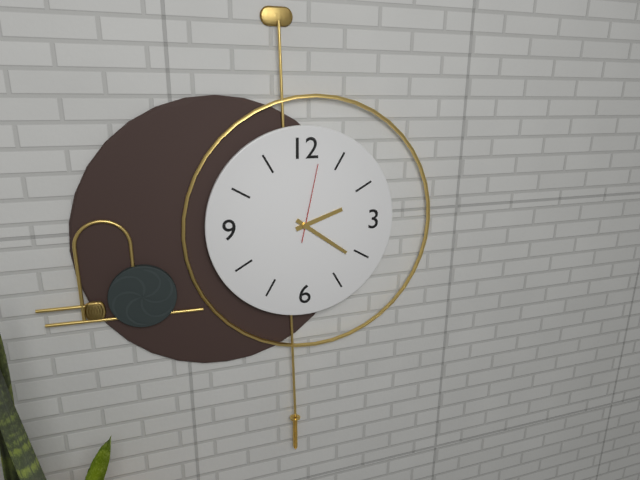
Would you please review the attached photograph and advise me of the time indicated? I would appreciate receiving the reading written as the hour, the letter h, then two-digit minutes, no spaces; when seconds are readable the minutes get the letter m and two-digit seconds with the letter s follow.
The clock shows 2h21m02s
